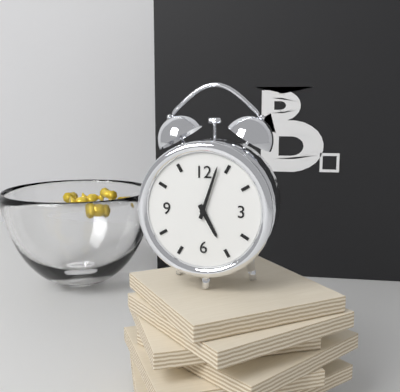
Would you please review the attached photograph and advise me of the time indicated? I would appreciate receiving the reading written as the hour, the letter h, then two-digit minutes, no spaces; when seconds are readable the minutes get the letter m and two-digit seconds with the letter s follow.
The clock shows 5h03
